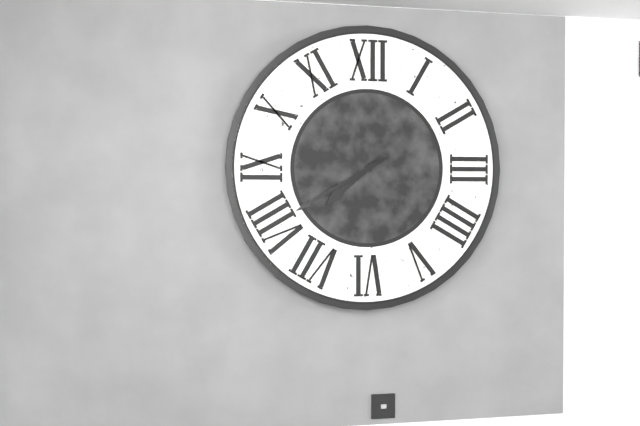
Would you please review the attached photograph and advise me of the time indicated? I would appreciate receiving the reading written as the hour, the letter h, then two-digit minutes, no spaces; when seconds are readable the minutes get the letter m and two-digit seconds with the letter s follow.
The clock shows 7h40
